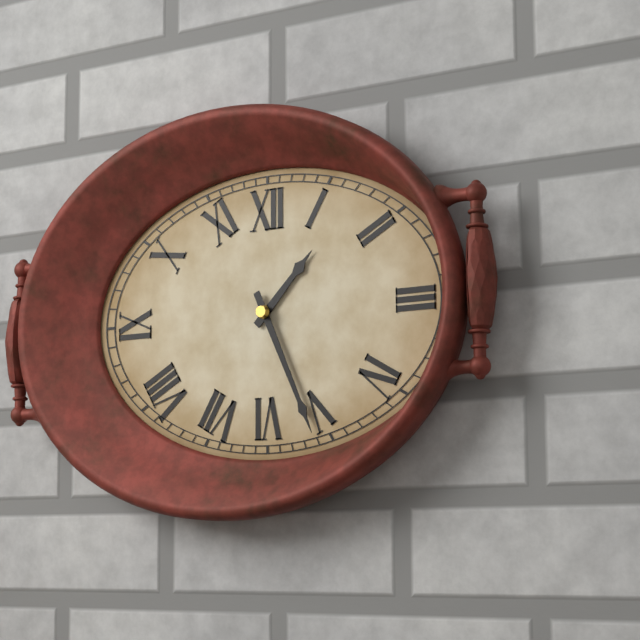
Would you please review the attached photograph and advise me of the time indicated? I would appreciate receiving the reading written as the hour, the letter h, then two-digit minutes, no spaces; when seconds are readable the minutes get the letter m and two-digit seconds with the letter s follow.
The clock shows 1h26
